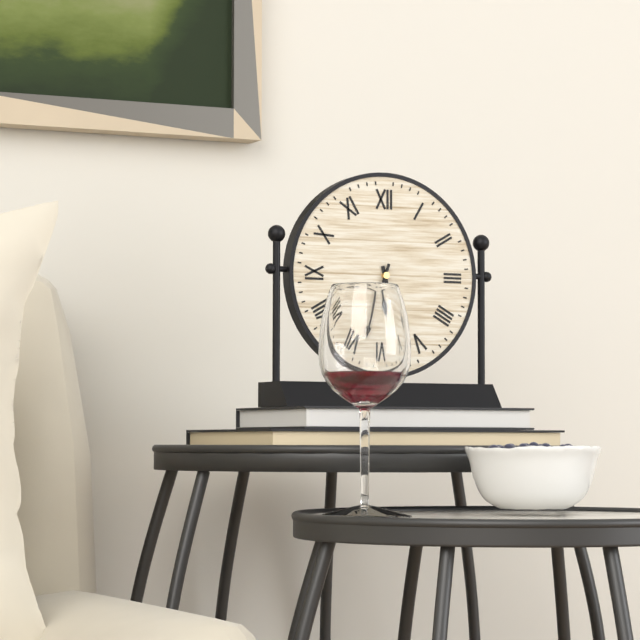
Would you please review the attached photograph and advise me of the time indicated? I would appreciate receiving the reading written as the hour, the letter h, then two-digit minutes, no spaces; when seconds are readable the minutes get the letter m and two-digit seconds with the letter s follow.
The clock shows 5h33
